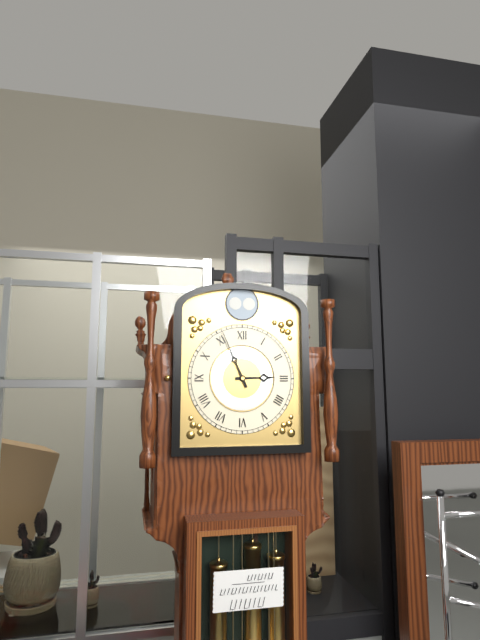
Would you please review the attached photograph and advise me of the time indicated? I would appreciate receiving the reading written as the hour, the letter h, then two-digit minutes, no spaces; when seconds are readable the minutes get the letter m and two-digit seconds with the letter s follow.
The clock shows 2h56
